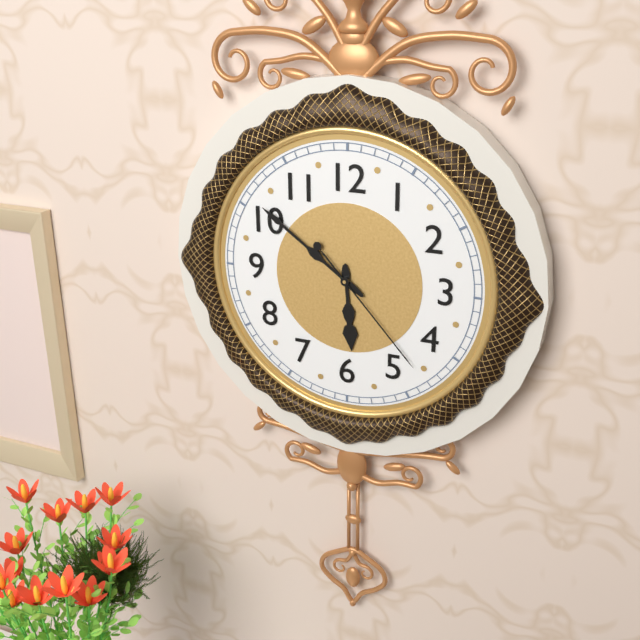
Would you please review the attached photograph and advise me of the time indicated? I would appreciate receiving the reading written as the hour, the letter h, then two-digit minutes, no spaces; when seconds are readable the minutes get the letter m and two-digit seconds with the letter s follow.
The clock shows 5h51m23s
